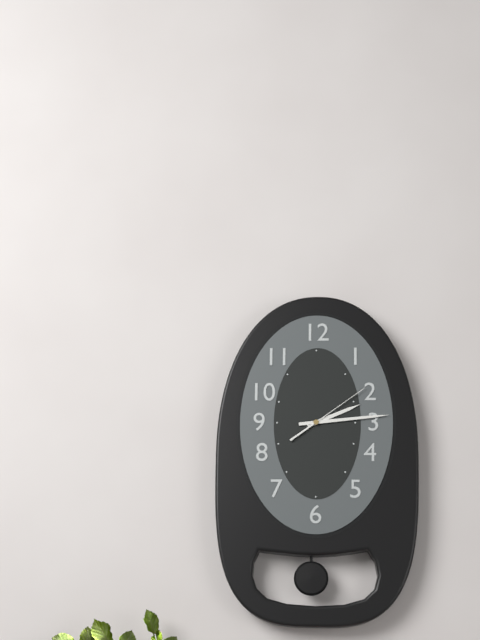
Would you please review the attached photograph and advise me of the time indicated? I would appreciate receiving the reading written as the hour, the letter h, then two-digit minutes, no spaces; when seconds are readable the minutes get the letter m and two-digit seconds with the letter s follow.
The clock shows 2h14m09s
